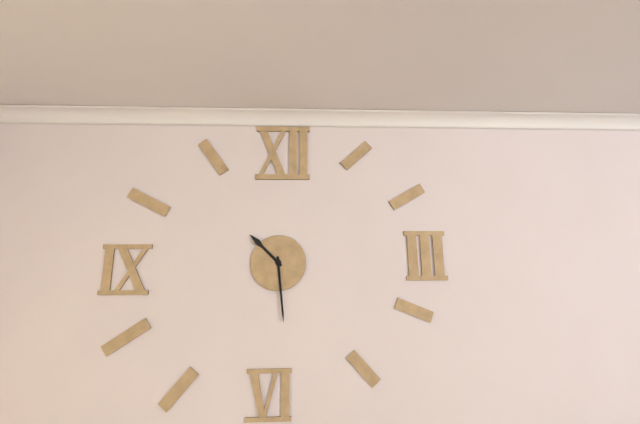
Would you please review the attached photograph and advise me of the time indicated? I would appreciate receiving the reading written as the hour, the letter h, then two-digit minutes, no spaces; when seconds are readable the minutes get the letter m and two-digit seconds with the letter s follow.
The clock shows 10h29
